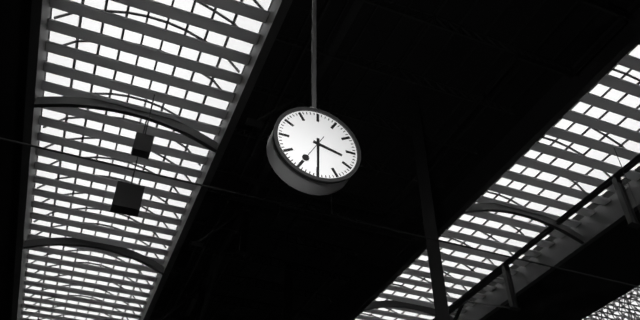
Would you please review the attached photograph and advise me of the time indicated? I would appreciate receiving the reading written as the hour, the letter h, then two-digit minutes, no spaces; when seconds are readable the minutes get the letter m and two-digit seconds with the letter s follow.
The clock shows 3h30
